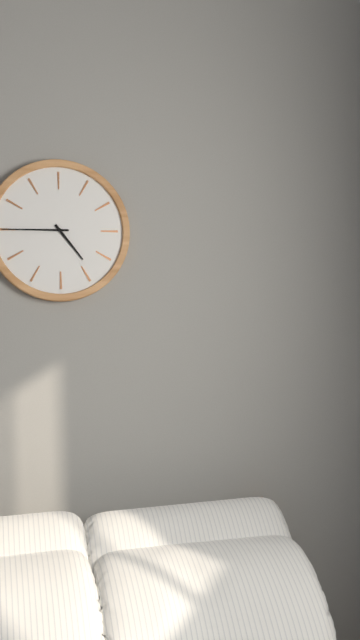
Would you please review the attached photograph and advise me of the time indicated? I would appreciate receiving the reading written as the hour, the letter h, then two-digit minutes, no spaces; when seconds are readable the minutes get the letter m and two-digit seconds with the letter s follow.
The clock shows 4h45
